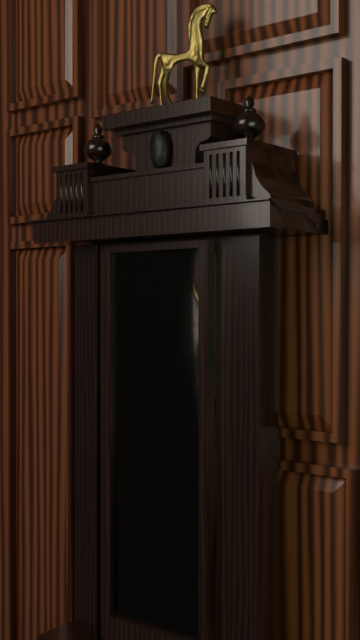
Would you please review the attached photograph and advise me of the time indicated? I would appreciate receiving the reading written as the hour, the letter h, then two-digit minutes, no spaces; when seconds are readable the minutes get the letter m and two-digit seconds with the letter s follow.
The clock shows 9h09
